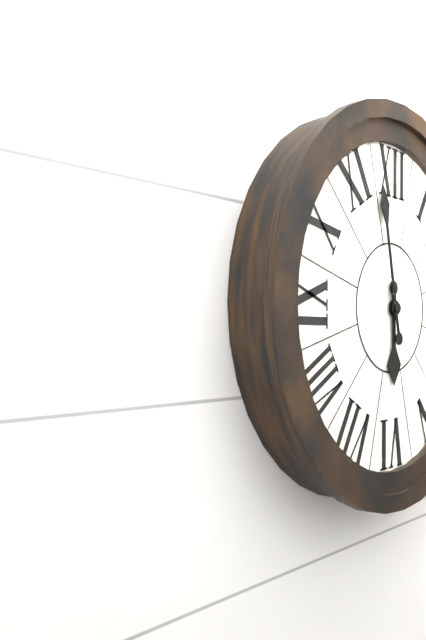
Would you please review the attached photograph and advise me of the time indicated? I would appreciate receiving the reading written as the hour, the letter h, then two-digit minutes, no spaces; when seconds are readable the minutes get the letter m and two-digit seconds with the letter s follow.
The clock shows 5h58
